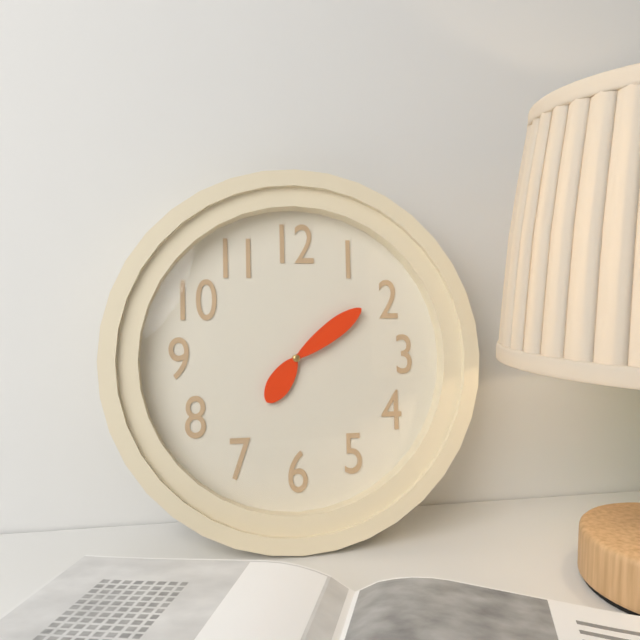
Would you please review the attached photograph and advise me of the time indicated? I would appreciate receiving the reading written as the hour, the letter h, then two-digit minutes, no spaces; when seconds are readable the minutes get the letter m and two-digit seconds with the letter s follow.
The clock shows 7h09
